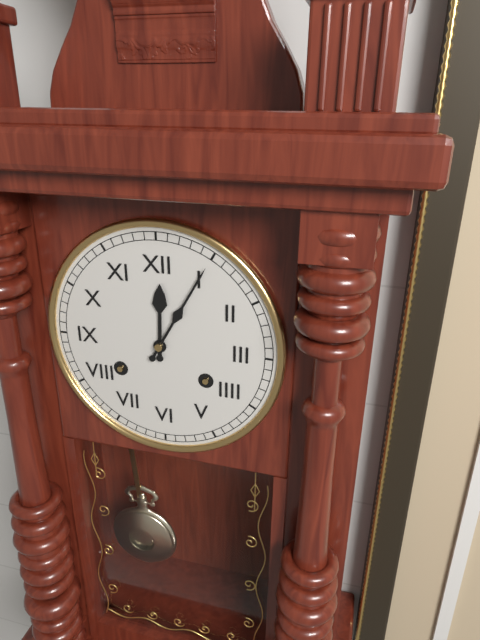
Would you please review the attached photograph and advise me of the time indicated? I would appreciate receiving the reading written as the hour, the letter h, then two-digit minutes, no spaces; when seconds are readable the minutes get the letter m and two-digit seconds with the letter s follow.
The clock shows 12h05
